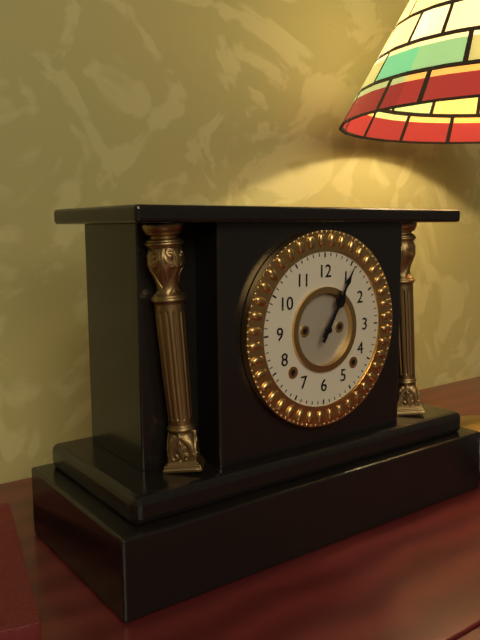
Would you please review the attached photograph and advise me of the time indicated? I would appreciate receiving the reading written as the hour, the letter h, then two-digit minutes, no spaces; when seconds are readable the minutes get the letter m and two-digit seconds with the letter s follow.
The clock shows 1h05
